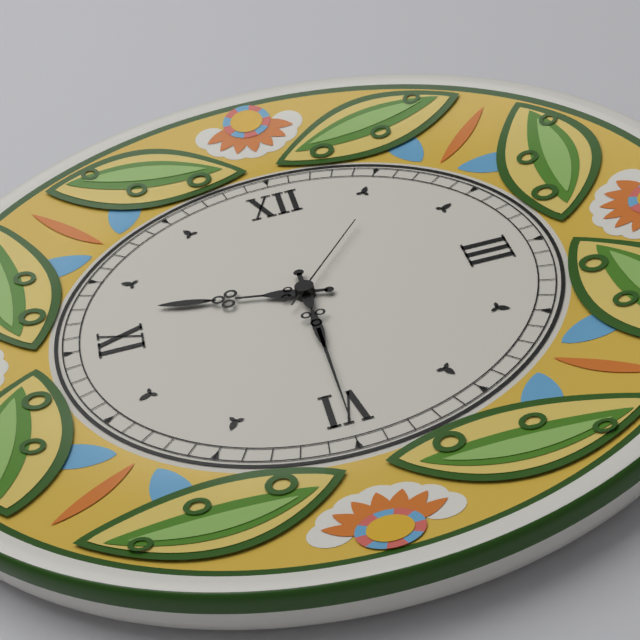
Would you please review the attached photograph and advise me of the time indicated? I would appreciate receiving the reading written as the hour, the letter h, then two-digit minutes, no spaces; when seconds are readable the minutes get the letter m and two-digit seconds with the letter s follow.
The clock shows 9h30m06s
